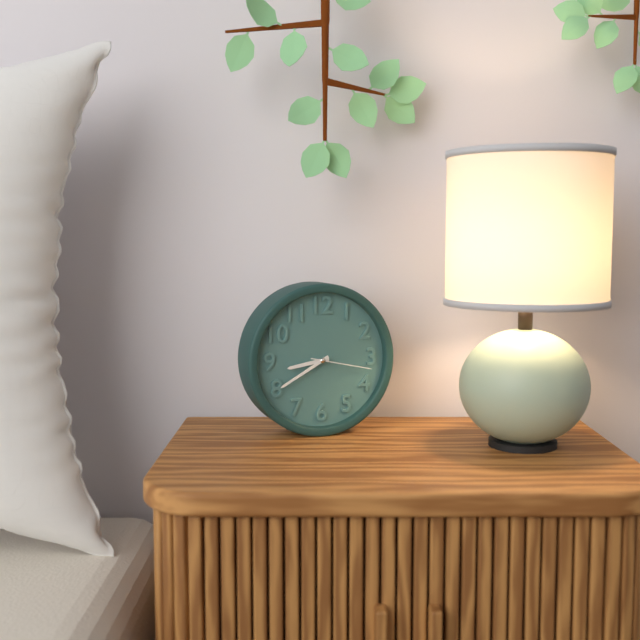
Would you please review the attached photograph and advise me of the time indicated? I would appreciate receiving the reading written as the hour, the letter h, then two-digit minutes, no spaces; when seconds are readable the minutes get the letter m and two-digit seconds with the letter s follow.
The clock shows 8h40m17s
